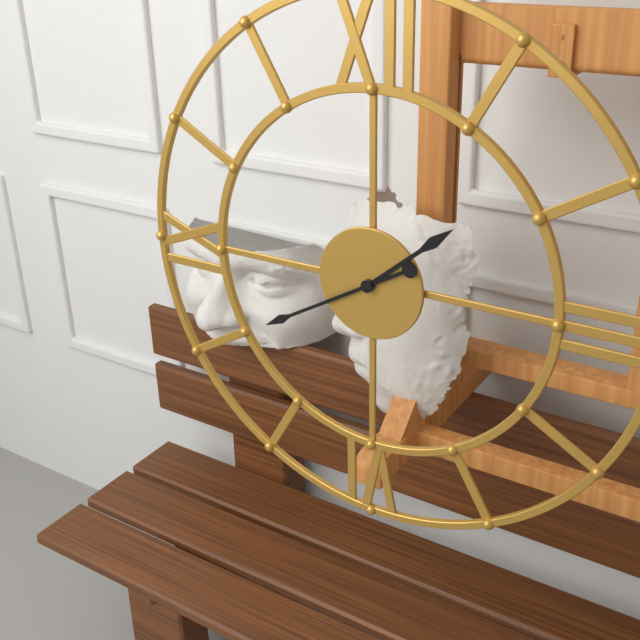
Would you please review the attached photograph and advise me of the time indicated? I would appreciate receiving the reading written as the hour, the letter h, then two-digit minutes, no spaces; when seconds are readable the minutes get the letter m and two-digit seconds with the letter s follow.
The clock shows 1h40
